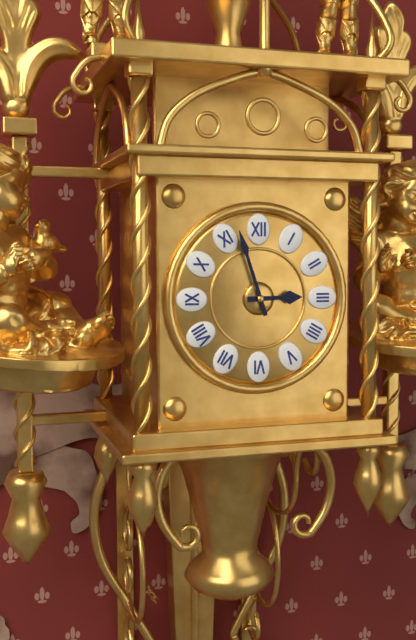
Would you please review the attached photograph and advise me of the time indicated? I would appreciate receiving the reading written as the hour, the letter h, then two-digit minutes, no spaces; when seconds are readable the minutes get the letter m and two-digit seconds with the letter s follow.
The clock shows 2h57
